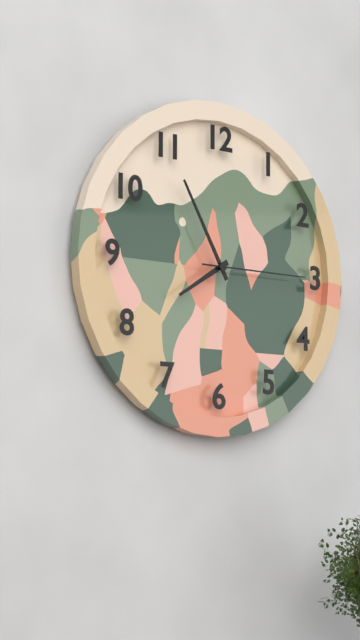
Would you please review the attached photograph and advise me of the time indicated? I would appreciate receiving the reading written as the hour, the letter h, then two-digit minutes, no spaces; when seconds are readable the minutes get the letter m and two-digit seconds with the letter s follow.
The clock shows 7h55m15s
